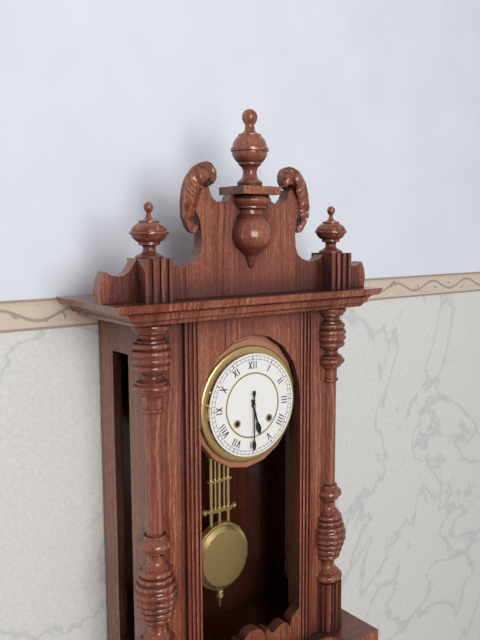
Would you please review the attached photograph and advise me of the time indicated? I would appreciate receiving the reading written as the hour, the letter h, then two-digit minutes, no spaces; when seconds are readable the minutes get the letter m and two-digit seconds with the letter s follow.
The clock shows 5h30
